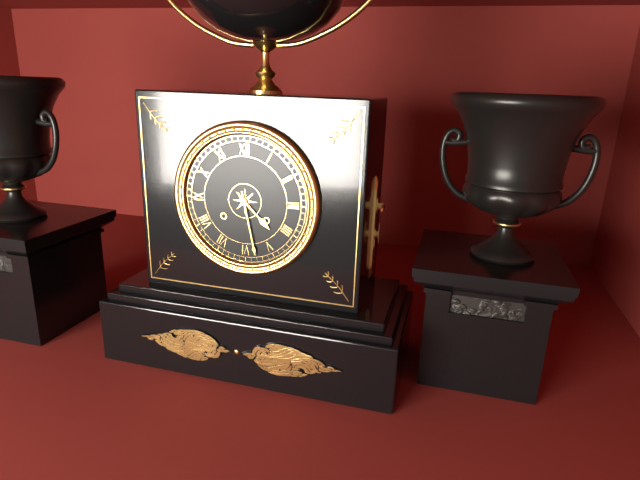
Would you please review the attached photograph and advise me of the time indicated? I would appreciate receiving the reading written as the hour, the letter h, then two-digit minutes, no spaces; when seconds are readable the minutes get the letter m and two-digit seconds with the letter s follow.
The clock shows 4h28
